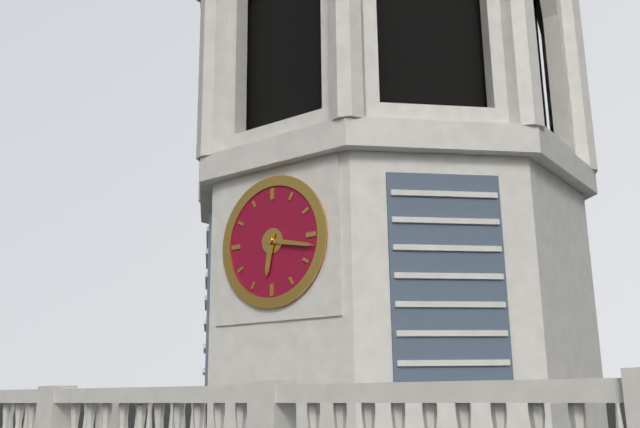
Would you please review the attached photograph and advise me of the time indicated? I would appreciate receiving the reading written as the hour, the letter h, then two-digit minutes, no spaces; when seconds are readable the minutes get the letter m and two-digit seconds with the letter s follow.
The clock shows 6h17
